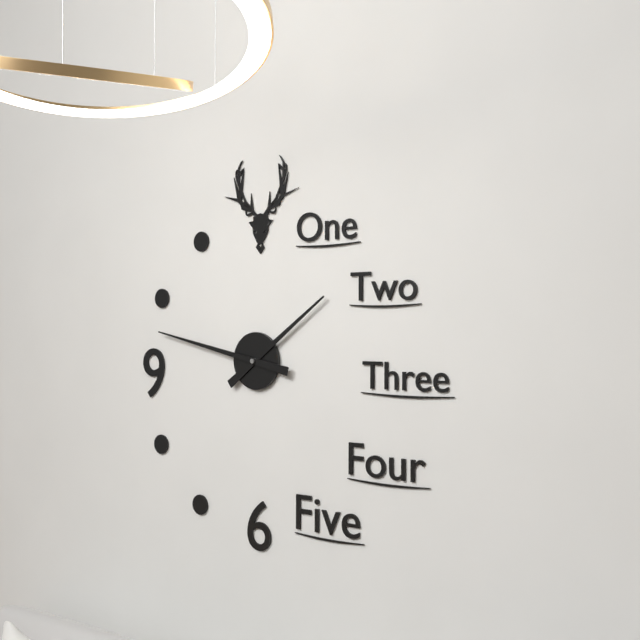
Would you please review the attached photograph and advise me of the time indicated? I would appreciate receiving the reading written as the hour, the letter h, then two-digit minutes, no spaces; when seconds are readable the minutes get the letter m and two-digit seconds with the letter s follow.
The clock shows 1h47
